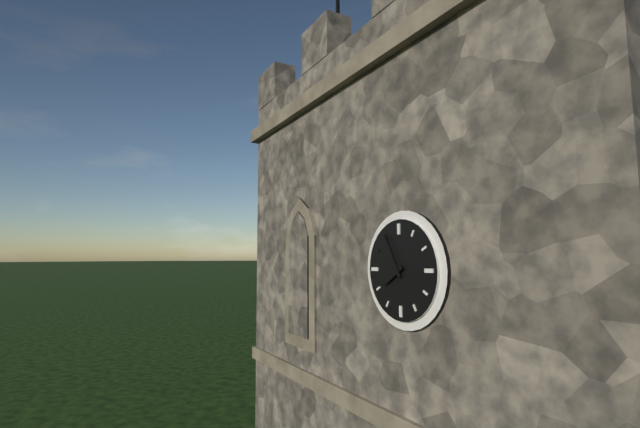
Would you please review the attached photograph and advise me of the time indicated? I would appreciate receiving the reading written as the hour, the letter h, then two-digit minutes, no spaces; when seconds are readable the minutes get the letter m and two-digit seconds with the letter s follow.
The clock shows 7h55
